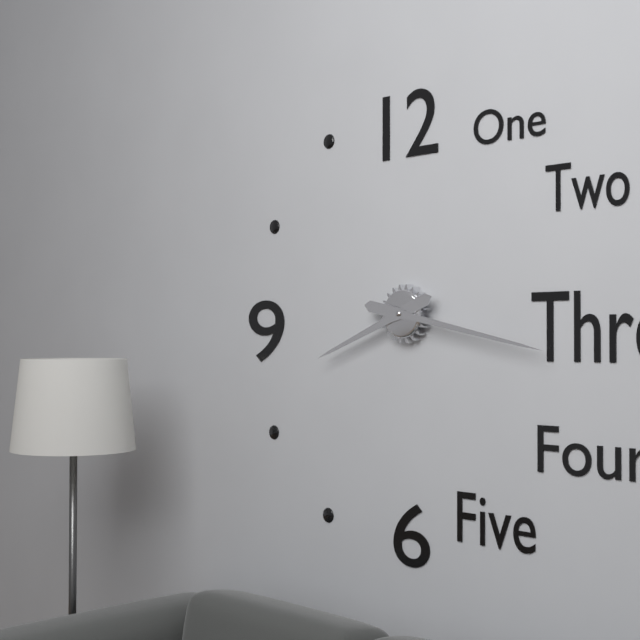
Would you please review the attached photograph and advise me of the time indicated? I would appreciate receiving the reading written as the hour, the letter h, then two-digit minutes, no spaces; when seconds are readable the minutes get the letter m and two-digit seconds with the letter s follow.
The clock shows 8h17
